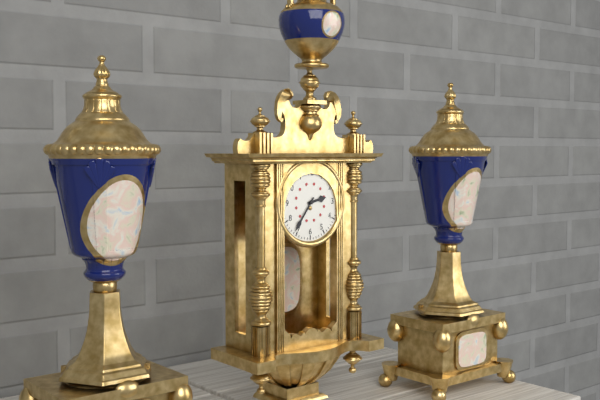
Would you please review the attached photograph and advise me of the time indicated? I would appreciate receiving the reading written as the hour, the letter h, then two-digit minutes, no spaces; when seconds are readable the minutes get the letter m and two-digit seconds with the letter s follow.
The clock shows 2h36
